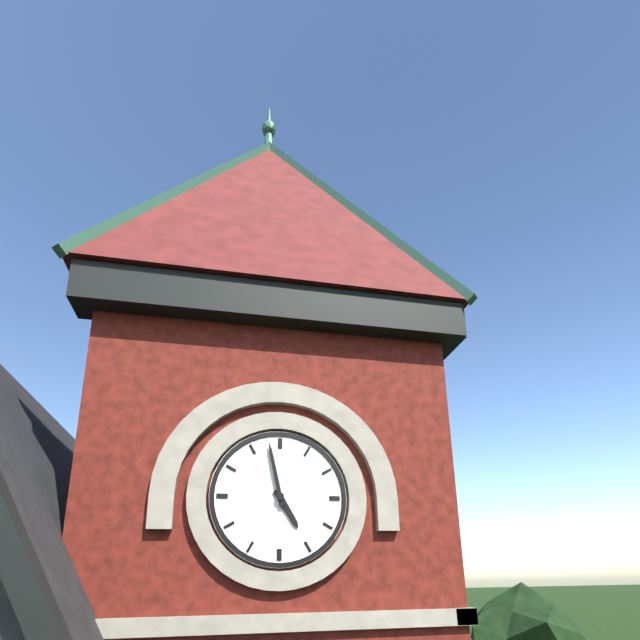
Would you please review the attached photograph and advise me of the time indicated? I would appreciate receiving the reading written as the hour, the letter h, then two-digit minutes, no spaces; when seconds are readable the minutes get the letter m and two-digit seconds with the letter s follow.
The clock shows 4h58
